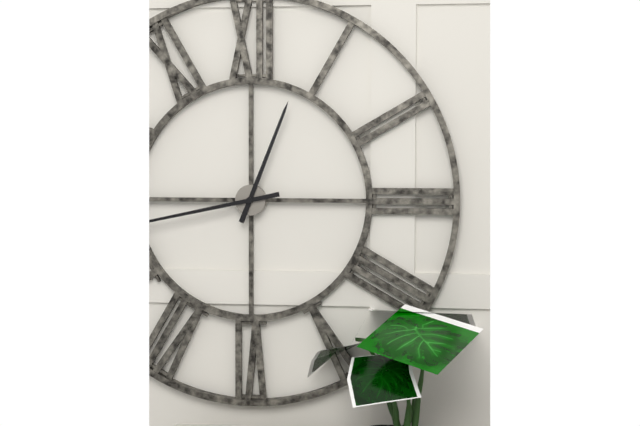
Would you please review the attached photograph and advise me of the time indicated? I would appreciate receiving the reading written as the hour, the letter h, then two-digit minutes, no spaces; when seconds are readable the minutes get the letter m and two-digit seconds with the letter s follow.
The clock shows 12h43
